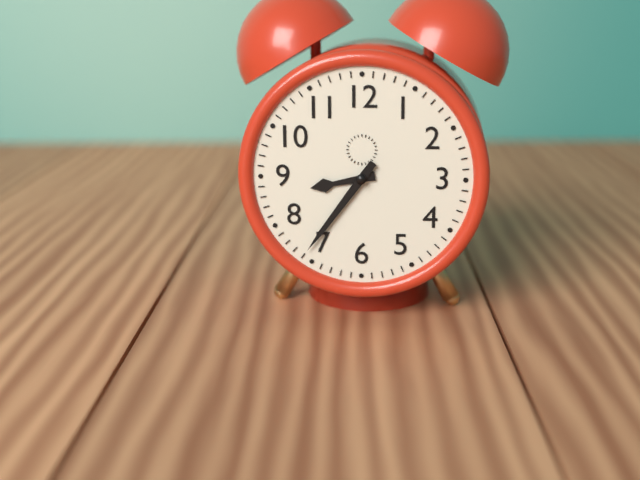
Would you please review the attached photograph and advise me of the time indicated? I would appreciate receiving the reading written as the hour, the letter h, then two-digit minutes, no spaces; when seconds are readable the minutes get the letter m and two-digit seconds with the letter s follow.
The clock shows 8h36
